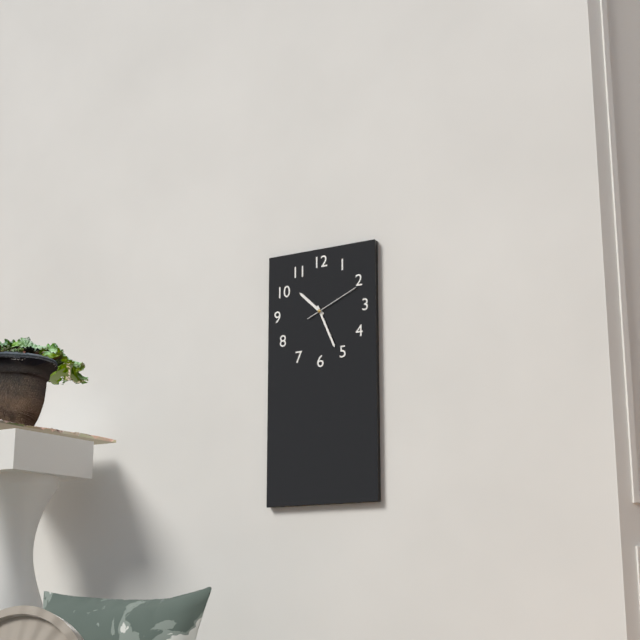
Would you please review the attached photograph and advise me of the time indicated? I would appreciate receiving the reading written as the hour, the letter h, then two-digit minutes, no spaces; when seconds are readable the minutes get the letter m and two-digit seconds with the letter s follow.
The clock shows 10h26m11s
